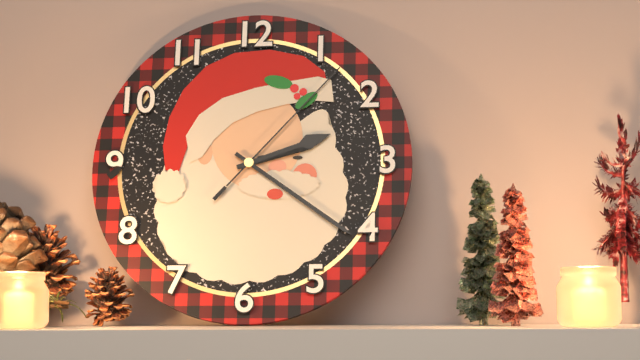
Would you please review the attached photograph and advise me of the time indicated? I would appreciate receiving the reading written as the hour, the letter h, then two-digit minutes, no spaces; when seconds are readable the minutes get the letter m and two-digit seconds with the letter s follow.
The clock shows 2h21m07s
